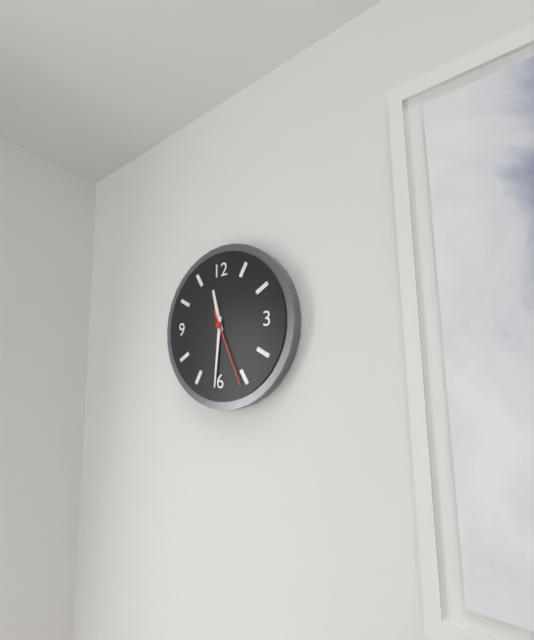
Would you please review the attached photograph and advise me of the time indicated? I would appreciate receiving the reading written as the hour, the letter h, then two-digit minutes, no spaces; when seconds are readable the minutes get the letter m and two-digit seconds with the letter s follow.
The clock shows 11h31m26s
